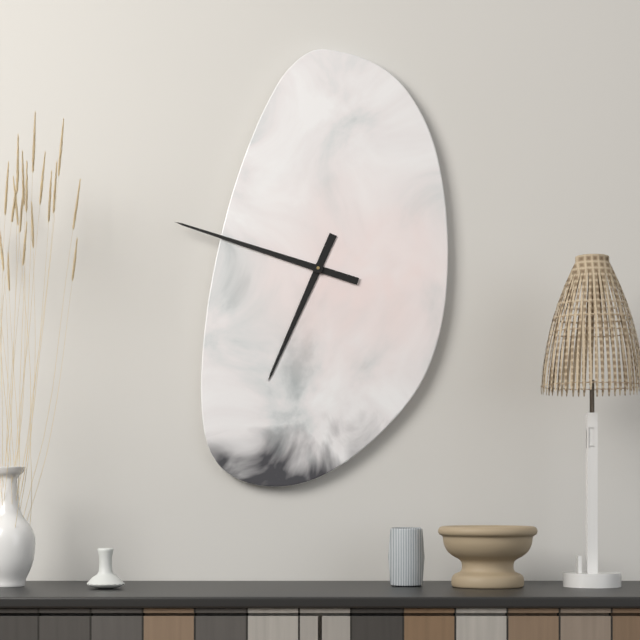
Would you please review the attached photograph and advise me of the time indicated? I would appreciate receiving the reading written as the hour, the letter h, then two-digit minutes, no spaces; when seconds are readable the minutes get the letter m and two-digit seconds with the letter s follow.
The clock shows 6h48
